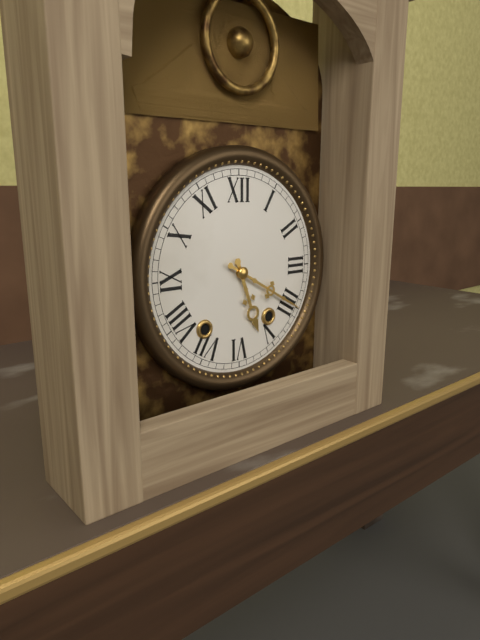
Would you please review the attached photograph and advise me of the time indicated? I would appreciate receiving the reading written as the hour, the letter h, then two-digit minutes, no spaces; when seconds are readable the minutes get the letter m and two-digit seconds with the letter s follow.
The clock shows 5h20
